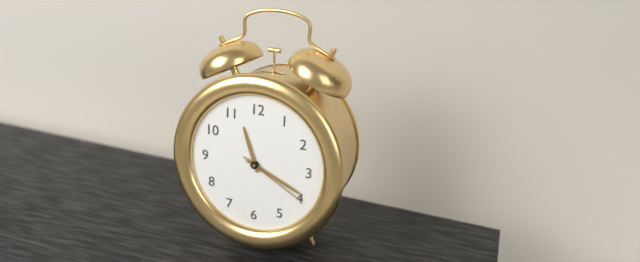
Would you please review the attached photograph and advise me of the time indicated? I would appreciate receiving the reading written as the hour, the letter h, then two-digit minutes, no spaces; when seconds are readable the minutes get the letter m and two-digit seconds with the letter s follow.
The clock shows 11h19m20s
